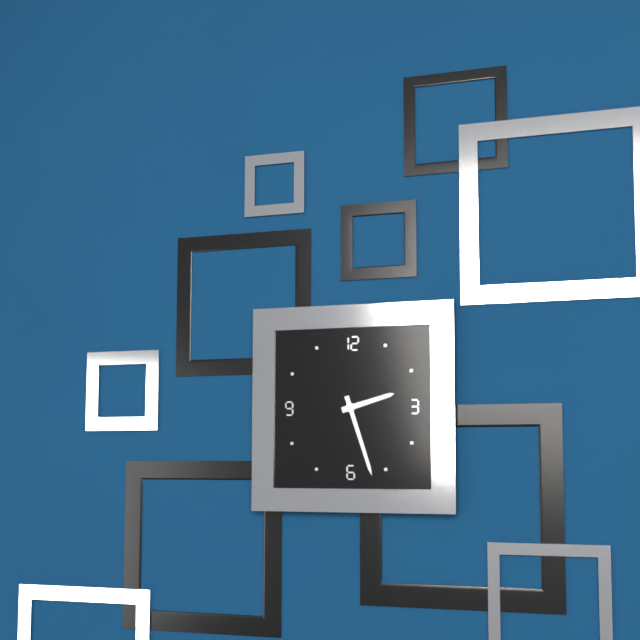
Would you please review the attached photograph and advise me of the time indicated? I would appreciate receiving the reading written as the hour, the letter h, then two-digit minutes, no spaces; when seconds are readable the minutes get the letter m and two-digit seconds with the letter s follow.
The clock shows 2h27
